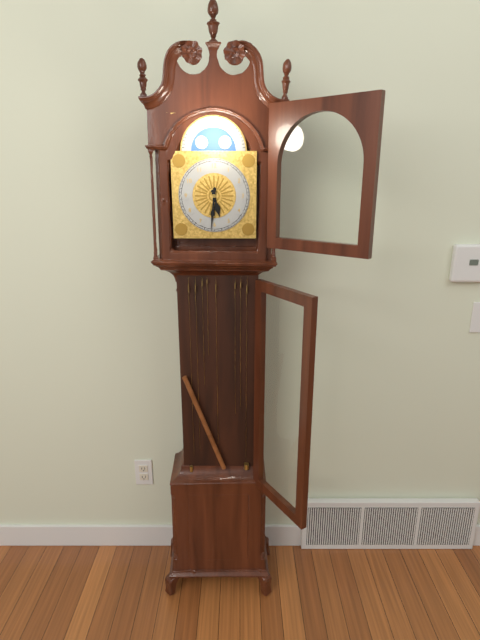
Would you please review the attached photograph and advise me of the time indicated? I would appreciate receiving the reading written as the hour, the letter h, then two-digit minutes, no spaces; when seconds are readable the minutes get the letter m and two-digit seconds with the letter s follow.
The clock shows 5h31
